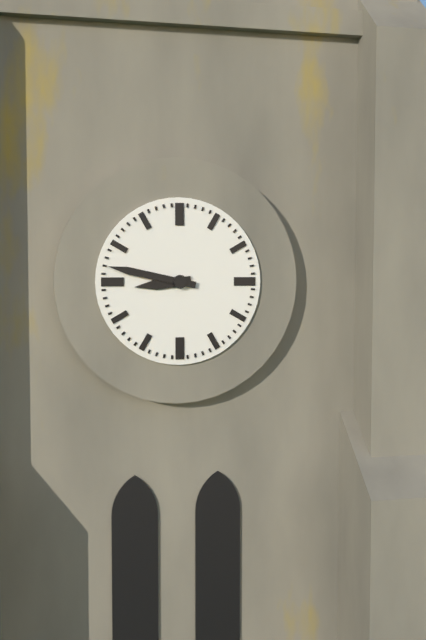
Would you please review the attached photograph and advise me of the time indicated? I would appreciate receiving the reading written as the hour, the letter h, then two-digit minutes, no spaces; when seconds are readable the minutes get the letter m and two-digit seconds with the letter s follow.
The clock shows 8h47
